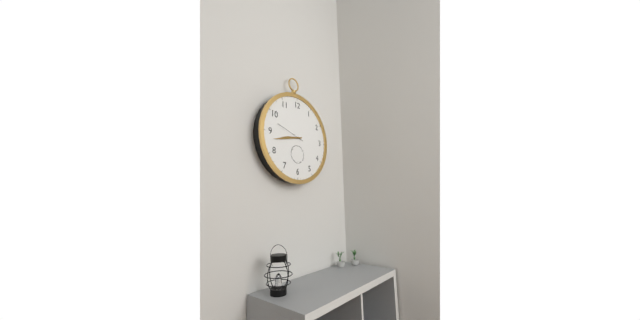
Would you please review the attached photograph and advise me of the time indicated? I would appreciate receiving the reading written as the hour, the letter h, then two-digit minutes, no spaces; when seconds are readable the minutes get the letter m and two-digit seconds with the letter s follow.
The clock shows 8h43
